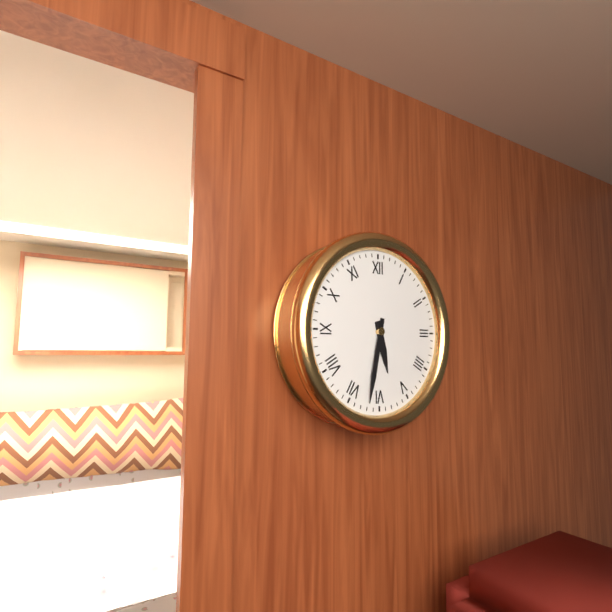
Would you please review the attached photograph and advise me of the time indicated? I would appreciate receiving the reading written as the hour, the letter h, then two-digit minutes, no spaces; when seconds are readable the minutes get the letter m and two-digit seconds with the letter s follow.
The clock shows 5h32
